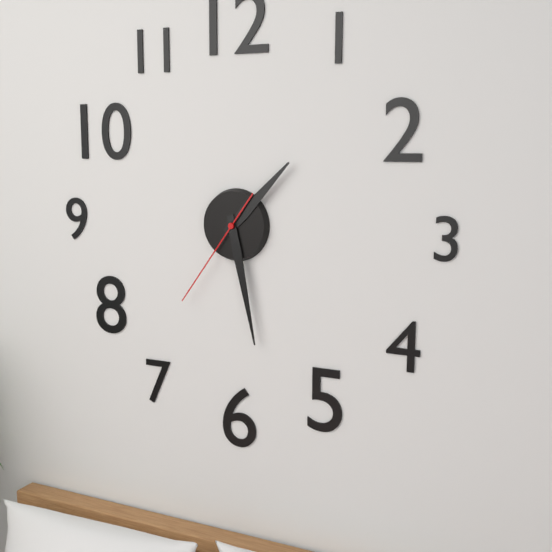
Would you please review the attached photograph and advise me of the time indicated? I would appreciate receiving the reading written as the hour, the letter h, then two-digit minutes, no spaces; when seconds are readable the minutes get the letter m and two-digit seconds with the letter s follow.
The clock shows 1h28m36s
